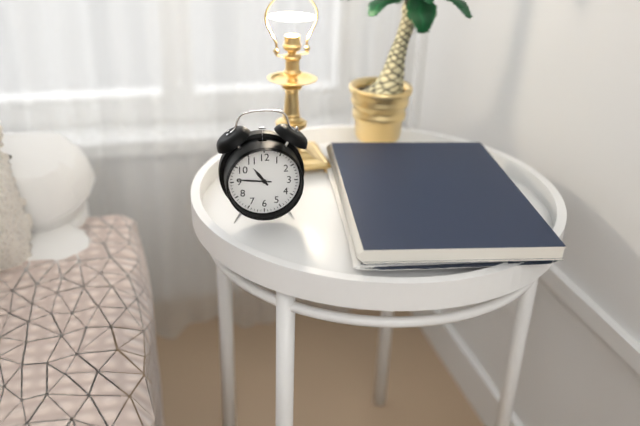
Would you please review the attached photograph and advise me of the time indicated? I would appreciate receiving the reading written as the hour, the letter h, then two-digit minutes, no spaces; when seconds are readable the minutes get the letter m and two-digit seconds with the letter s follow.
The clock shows 10h46
